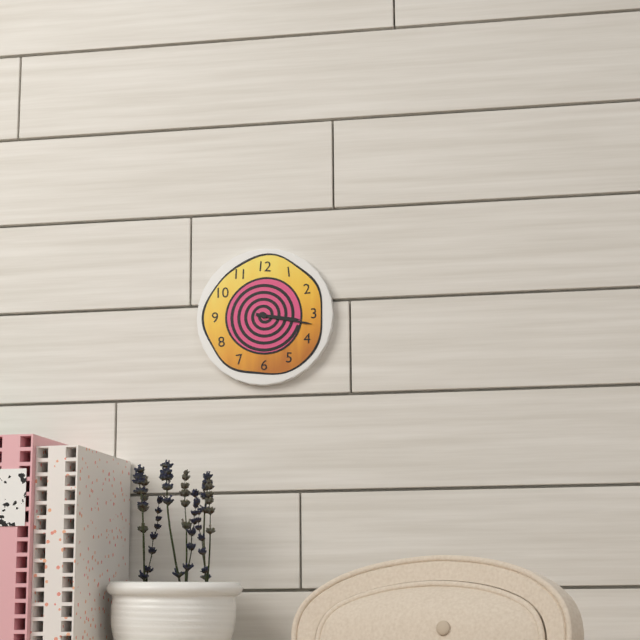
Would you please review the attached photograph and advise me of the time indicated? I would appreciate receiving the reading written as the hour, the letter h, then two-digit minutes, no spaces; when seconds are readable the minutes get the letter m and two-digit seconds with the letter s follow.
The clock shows 3h17
